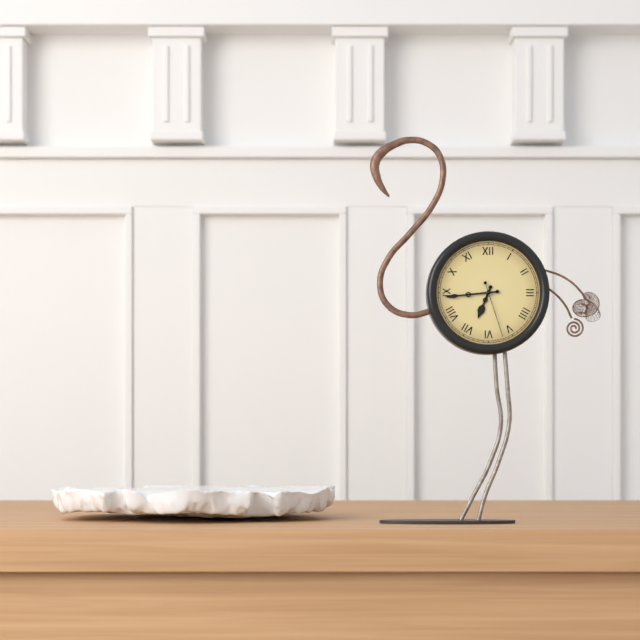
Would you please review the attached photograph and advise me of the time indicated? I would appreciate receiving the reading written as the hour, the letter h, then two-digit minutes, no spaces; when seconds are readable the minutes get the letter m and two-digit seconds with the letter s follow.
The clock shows 6h44m27s
